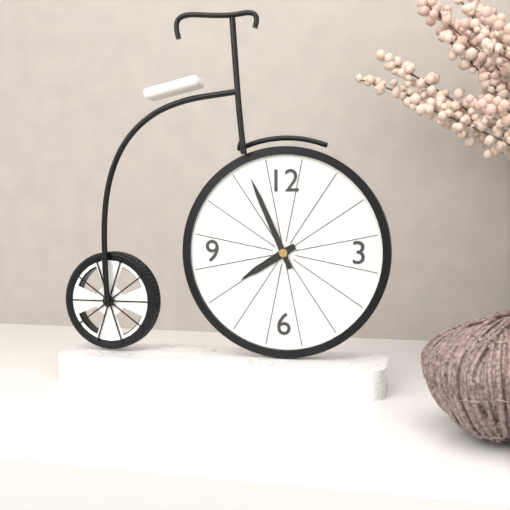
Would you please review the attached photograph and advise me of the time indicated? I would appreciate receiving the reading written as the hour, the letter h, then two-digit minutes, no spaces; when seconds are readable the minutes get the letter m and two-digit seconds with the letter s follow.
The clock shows 7h56
